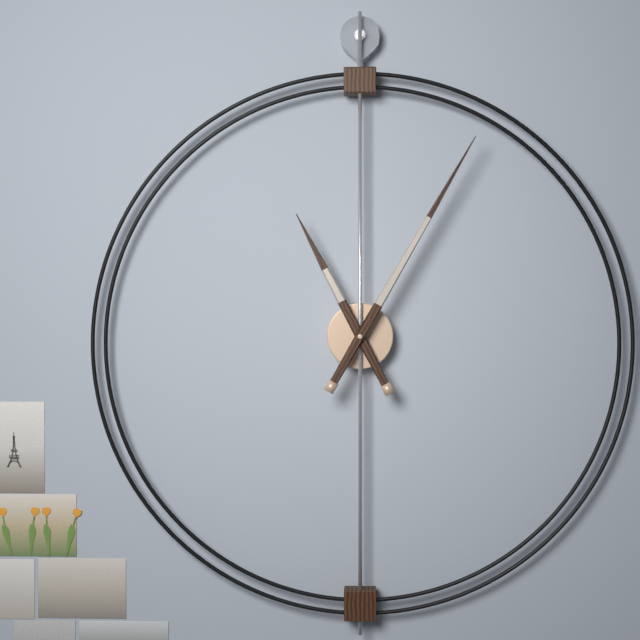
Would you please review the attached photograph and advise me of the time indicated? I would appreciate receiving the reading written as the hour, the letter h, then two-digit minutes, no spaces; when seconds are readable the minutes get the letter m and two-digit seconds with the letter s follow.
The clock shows 11h05
